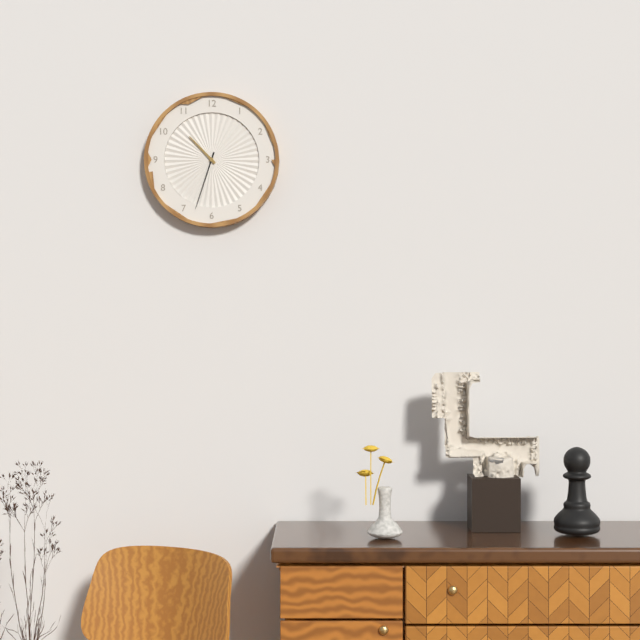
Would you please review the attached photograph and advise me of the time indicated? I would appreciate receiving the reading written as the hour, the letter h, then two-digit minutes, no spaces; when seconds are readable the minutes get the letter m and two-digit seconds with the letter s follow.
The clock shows 10h33
